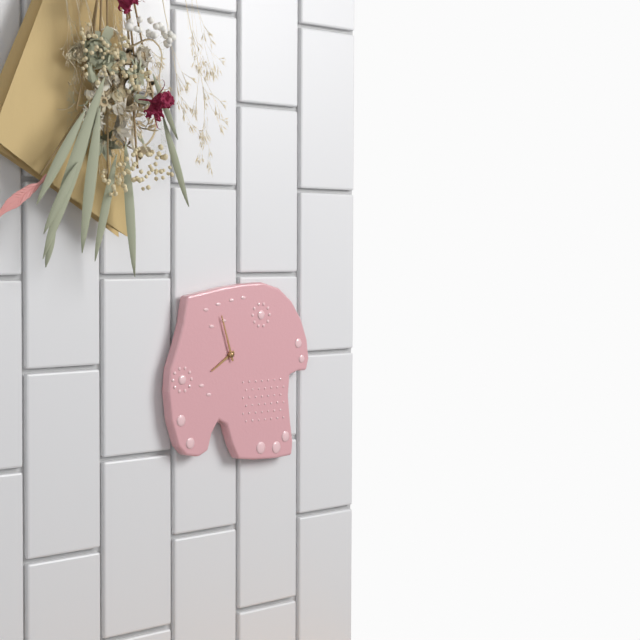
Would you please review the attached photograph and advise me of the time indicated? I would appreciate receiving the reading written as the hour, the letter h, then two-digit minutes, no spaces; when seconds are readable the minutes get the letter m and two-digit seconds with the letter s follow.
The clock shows 7h57
